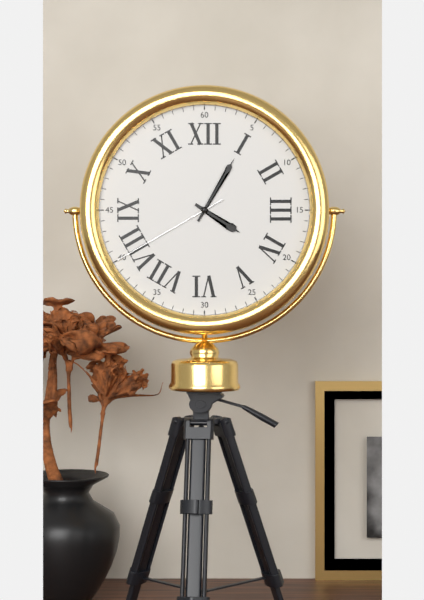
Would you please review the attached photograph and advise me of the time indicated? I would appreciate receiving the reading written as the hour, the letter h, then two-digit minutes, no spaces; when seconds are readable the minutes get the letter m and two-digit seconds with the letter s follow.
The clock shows 4h05m40s
